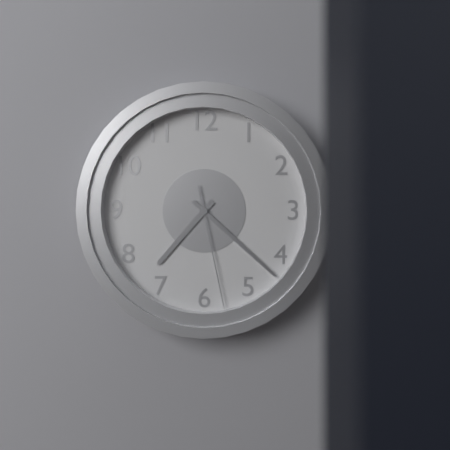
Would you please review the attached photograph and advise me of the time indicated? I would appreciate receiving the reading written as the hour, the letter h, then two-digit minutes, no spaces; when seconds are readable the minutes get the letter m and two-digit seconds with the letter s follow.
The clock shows 7h22m28s
